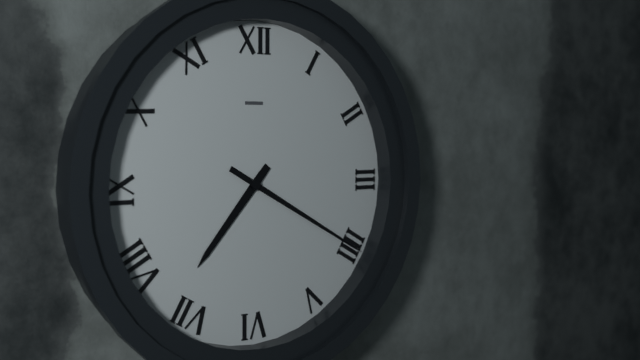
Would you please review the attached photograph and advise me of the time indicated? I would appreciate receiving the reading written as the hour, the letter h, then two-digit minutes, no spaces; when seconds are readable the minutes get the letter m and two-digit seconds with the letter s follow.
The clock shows 7h20
